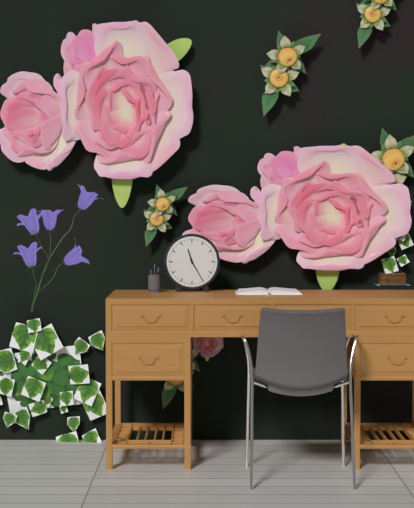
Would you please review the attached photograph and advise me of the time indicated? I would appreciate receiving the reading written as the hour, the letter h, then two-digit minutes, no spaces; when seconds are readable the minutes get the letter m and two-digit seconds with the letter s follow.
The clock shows 11h25
